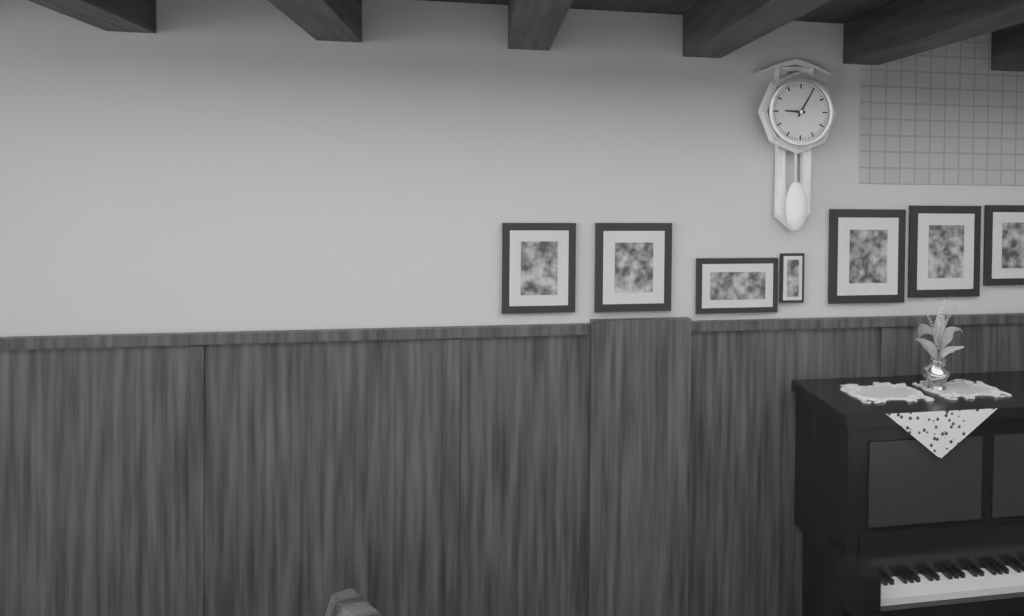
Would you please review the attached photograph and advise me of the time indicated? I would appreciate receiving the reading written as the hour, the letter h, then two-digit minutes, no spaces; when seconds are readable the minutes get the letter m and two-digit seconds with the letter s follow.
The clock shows 9h05
